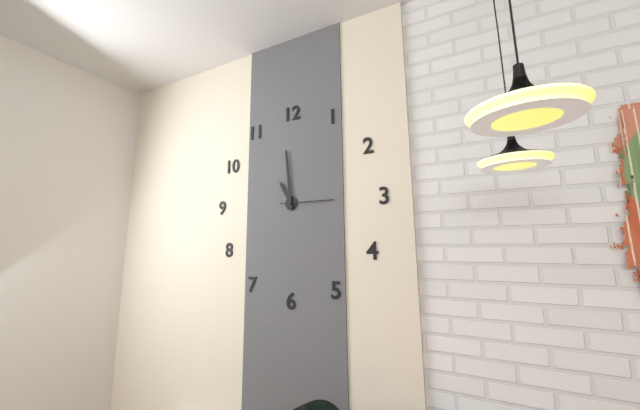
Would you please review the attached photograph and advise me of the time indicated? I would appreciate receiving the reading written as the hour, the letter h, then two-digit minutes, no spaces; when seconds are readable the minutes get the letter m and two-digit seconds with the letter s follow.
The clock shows 10h59m15s
